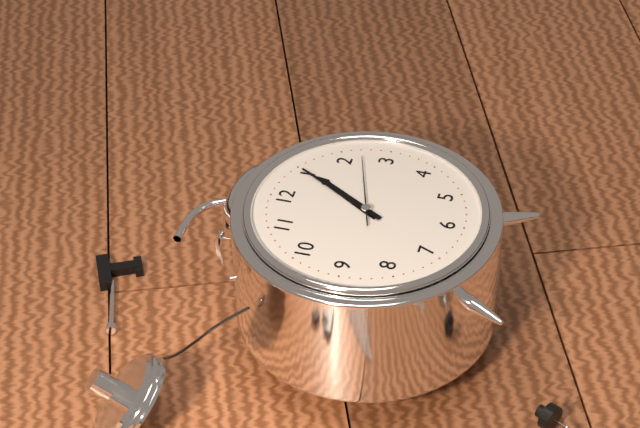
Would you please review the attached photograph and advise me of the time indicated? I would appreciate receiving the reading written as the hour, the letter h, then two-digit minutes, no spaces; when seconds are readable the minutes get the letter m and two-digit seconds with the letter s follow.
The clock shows 1h05m12s
